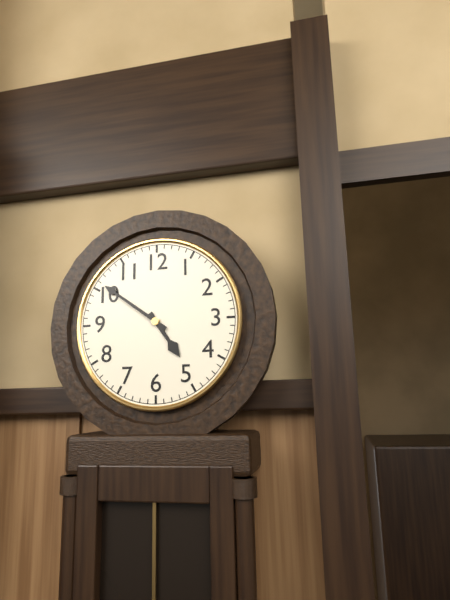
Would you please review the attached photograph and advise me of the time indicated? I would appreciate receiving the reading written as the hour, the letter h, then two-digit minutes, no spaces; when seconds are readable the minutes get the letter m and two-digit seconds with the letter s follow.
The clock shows 4h51
